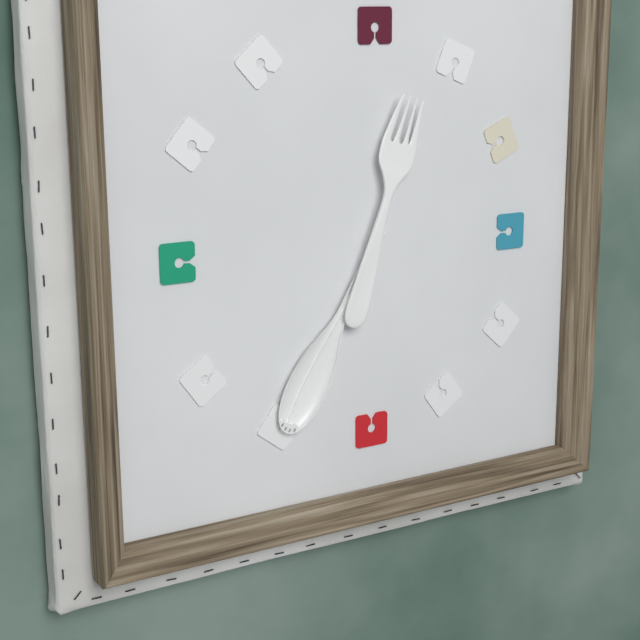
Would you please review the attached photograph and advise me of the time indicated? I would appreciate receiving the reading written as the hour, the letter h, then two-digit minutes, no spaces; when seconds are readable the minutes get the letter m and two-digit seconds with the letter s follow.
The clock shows 12h35
